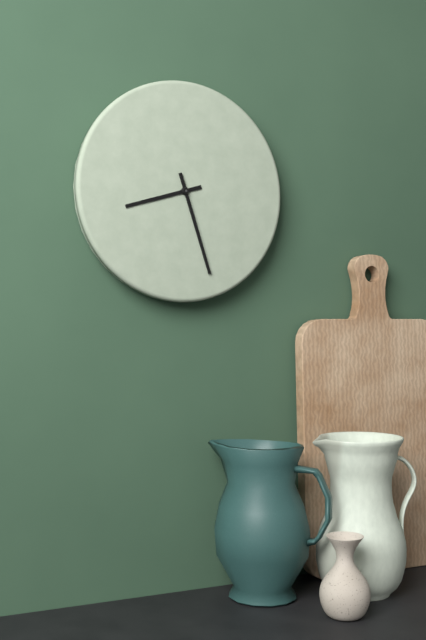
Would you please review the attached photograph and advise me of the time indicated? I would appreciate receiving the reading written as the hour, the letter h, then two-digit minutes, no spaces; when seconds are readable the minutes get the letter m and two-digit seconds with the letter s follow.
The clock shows 8h27
